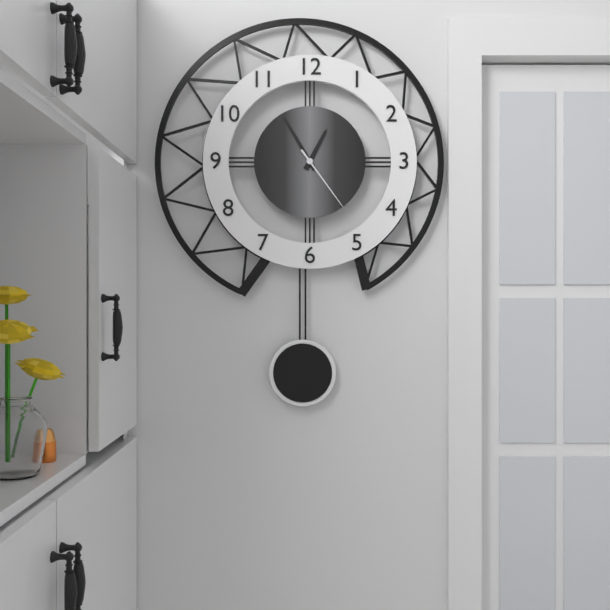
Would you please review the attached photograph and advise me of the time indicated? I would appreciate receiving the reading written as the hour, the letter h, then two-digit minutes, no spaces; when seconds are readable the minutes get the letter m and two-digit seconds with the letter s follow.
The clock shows 12h55m24s
